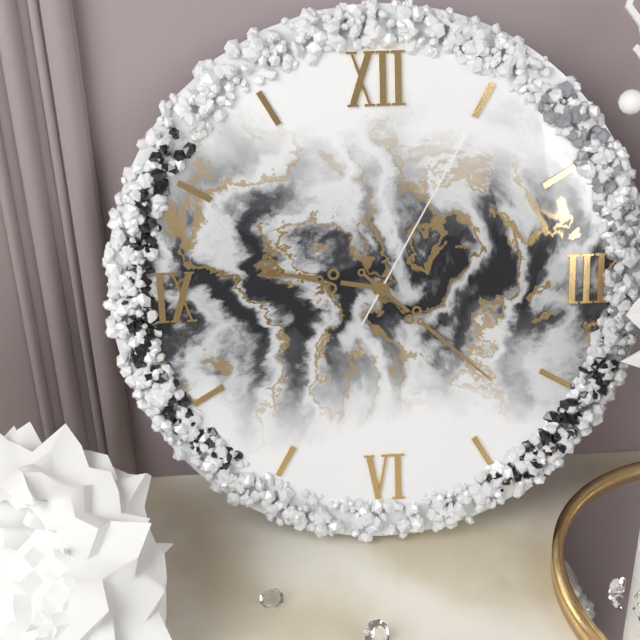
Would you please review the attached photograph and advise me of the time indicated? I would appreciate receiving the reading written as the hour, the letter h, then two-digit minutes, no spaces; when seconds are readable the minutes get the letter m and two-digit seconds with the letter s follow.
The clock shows 9h22m05s
